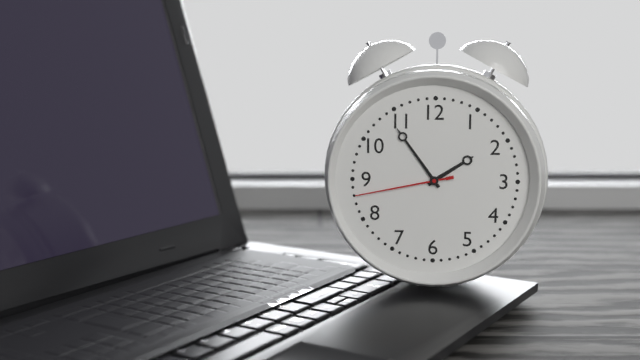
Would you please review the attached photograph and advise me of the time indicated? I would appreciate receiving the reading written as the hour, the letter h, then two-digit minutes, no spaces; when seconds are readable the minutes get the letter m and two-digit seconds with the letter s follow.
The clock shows 1h54m43s
